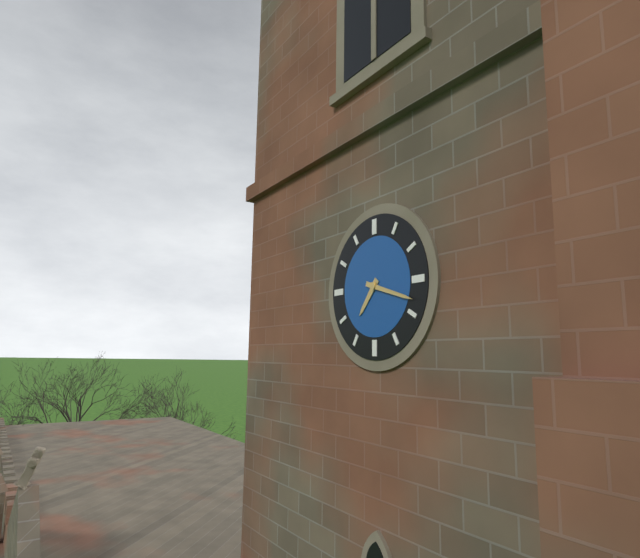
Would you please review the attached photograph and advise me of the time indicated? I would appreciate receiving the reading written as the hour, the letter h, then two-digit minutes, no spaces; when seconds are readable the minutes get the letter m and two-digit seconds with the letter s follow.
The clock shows 7h18
